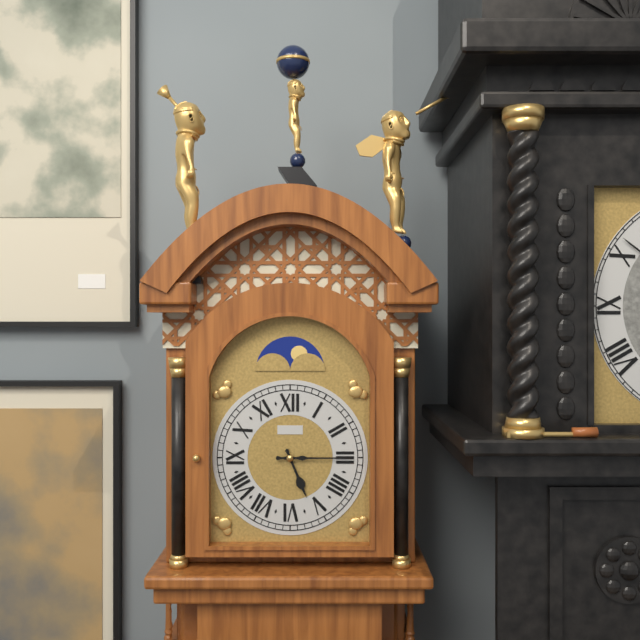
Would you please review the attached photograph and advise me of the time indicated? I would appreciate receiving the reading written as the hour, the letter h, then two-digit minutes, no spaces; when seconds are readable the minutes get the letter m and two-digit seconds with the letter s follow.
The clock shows 5h15
